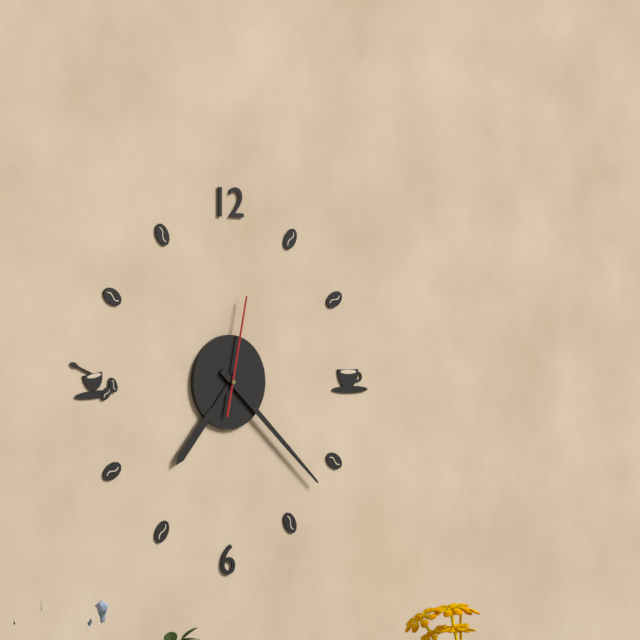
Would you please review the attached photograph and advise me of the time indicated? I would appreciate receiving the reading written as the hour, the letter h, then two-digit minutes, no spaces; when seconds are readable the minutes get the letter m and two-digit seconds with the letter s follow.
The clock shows 7h22m02s
